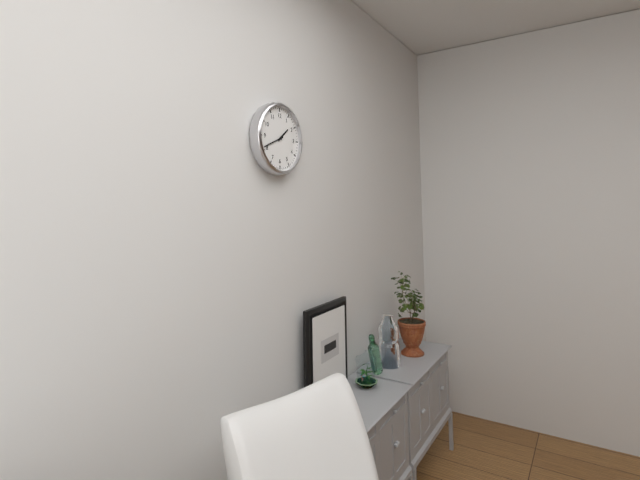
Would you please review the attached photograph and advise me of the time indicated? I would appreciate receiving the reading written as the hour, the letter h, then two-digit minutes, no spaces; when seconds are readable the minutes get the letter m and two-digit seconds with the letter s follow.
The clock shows 1h41
